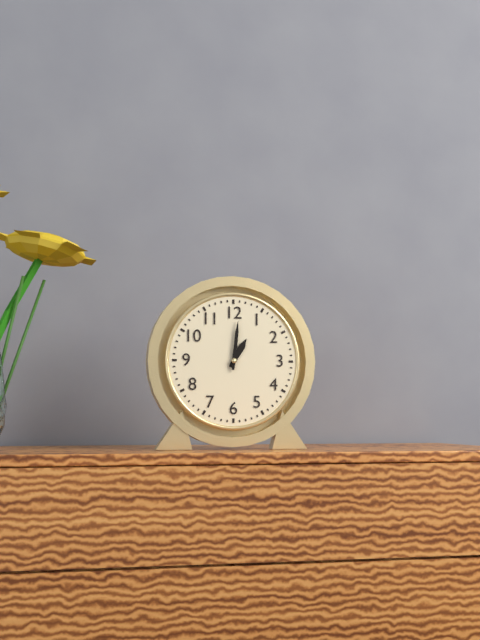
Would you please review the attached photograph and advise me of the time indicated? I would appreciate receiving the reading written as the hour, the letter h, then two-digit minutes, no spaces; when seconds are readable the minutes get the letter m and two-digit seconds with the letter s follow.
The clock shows 1h01
